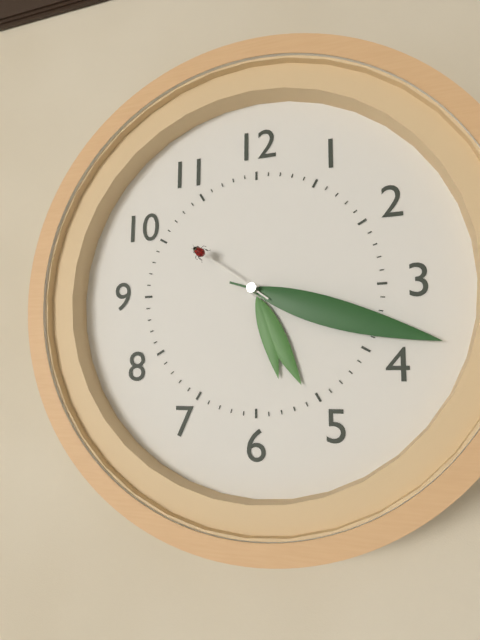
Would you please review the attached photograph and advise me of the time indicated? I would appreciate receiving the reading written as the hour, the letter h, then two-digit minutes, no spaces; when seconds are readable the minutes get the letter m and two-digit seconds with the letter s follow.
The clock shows 5h18m51s
